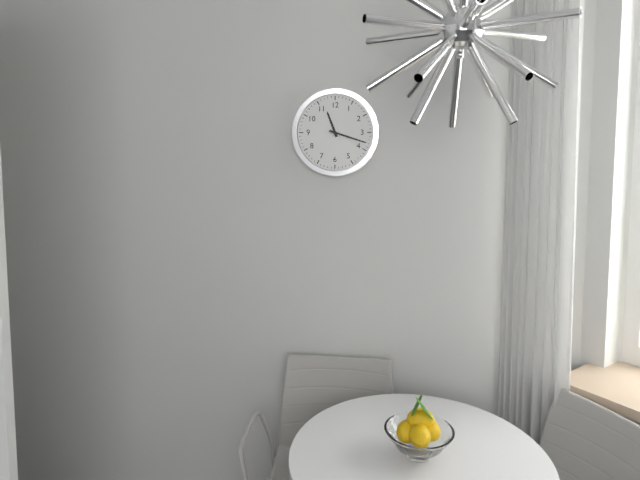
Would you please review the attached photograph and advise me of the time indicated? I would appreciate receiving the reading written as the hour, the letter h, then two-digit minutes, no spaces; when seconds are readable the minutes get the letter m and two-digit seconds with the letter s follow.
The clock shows 11h18
